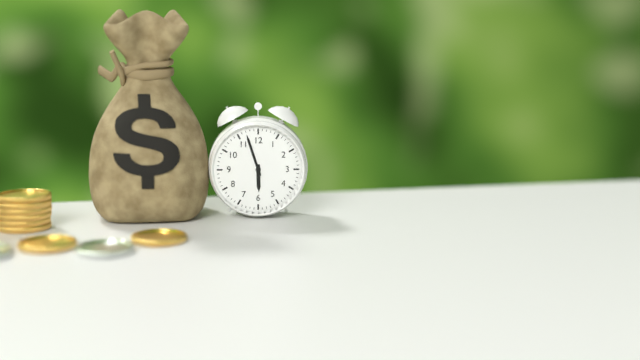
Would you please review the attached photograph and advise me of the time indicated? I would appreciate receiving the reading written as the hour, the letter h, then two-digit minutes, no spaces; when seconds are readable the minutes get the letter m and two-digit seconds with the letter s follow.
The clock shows 5h57
